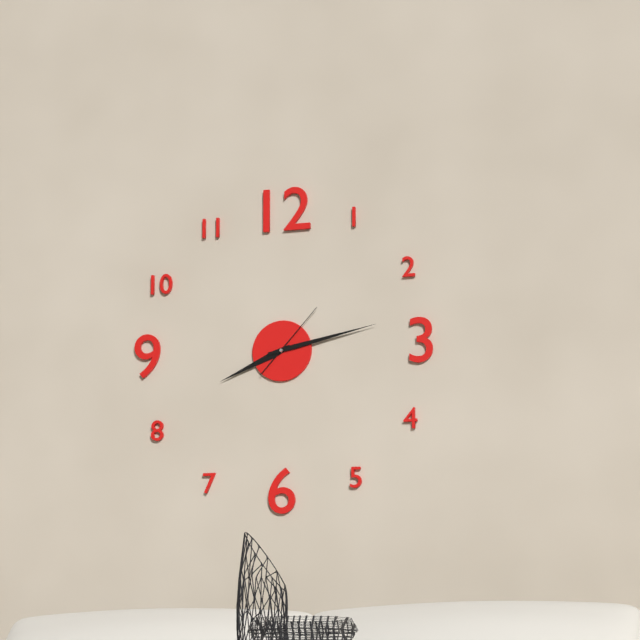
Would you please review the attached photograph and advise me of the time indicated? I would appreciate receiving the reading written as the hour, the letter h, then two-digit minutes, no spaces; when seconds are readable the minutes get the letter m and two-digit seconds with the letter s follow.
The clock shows 8h13m07s
